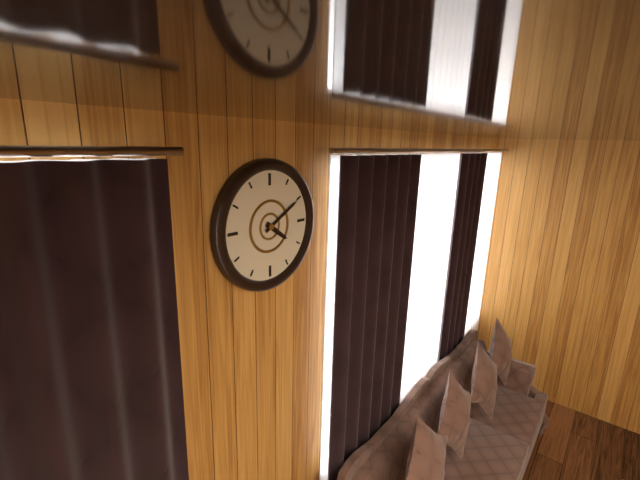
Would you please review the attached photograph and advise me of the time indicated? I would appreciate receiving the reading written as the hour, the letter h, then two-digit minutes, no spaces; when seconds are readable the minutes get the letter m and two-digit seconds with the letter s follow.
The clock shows 4h10
